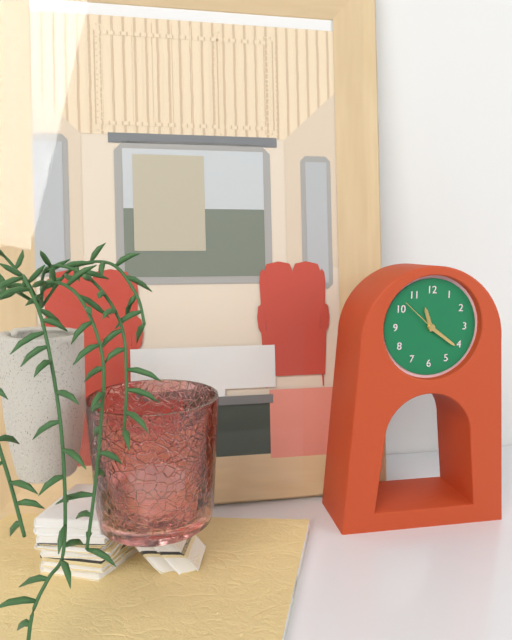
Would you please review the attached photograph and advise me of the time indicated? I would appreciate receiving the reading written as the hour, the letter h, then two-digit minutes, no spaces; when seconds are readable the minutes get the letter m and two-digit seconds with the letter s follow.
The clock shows 11h21
